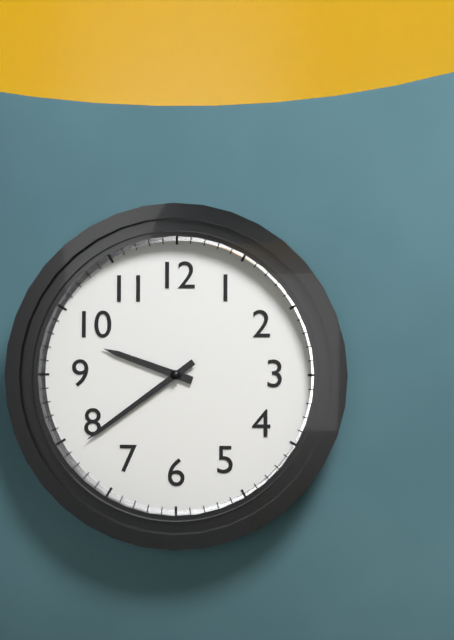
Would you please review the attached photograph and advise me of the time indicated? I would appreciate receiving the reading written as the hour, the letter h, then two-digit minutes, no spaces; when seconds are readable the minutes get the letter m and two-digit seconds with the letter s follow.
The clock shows 9h39
